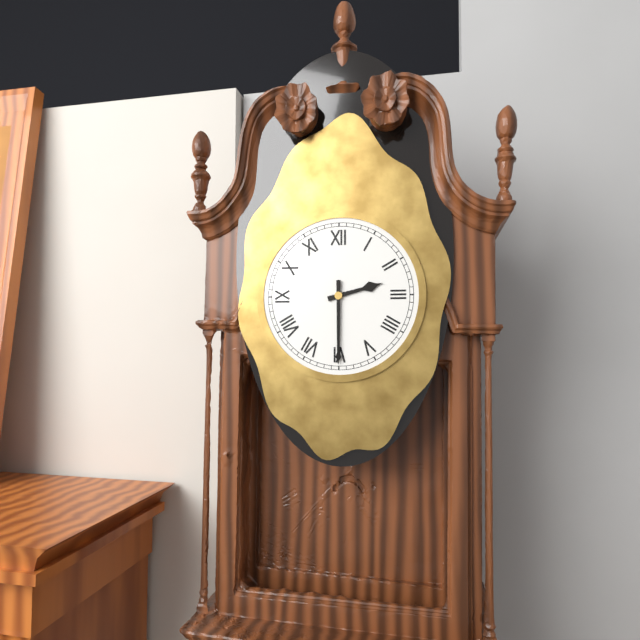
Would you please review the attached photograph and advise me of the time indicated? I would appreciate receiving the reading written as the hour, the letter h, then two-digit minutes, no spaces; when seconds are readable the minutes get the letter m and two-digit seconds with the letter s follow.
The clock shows 2h30
